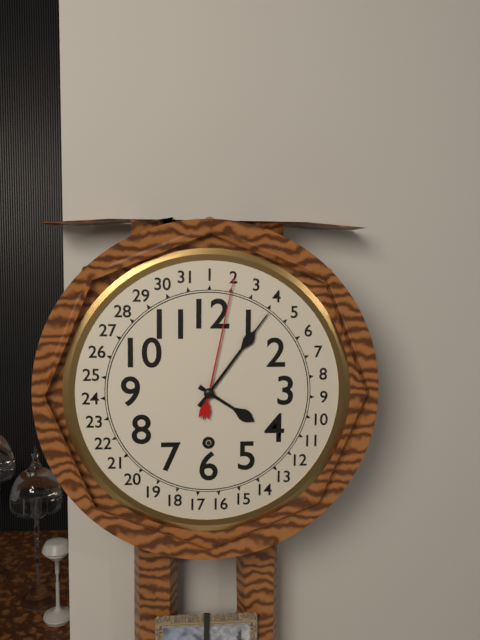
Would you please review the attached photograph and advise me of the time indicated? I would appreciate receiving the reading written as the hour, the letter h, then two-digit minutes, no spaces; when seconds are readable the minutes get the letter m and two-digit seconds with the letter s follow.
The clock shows 4h06
